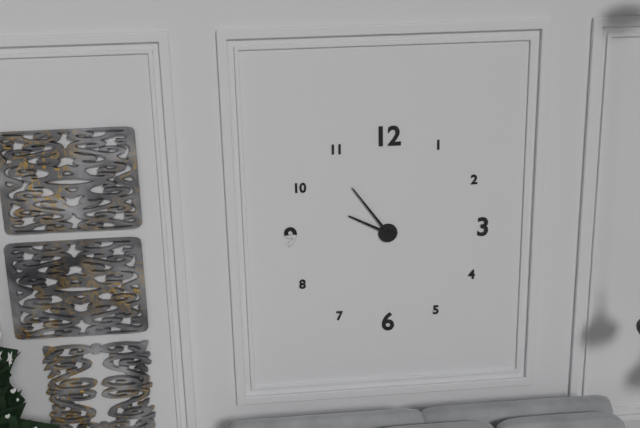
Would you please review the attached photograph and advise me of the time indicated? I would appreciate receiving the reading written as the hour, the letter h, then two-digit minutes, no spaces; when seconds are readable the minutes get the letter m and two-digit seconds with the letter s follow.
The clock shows 9h54
